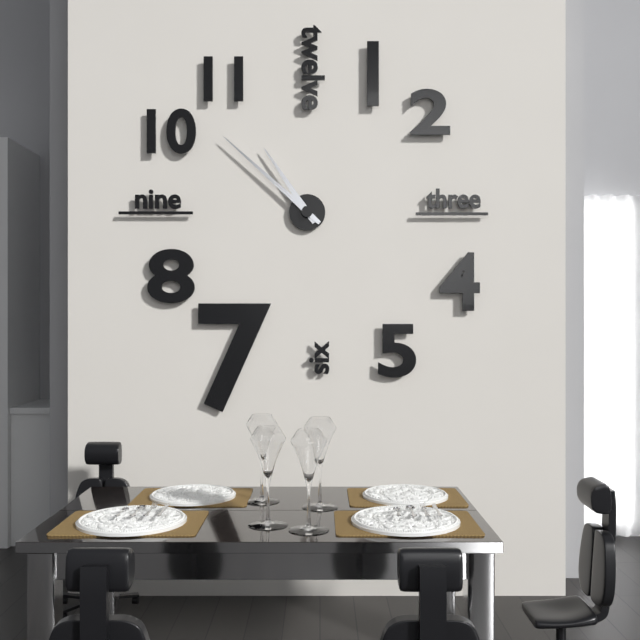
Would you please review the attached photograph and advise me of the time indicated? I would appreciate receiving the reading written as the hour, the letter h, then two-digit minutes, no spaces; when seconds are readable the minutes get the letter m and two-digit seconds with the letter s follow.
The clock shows 10h52
